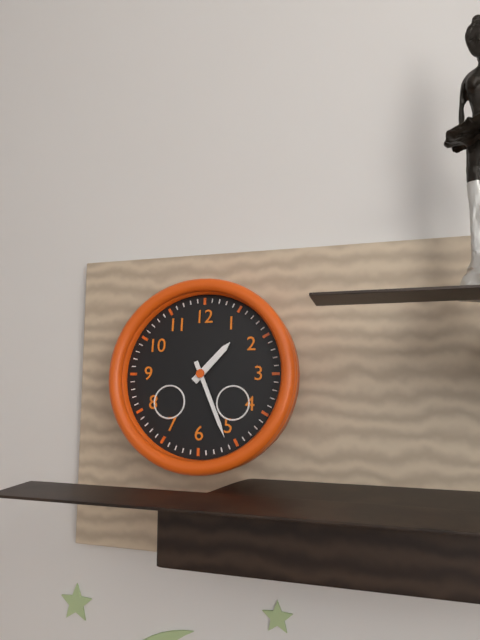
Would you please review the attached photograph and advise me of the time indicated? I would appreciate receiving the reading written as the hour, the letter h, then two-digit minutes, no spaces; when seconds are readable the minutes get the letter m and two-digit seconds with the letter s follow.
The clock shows 1h26
